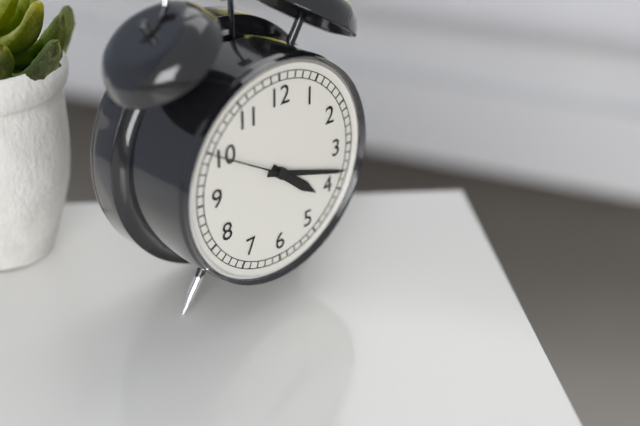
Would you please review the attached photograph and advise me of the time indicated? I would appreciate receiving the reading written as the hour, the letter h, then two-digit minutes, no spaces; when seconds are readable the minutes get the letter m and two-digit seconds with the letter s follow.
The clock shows 4h18m50s
